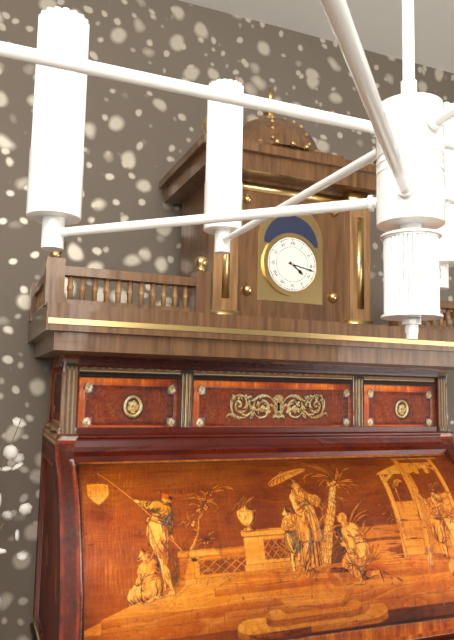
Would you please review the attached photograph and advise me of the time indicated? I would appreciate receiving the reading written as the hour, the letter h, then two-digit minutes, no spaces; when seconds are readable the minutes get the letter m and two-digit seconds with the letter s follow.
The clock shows 4h17
